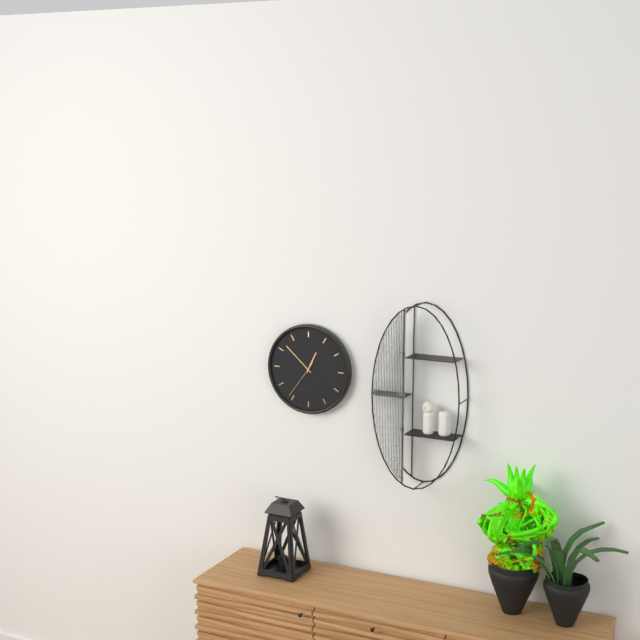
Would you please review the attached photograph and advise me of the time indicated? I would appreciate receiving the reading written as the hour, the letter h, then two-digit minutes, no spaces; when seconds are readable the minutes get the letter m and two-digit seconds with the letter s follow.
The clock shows 12h52
